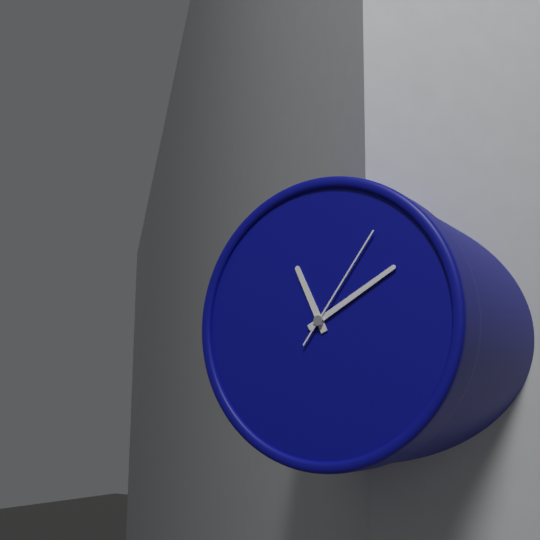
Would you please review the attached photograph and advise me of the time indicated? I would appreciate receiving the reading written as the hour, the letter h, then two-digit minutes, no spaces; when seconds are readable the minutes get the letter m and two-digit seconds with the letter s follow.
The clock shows 11h10m06s
